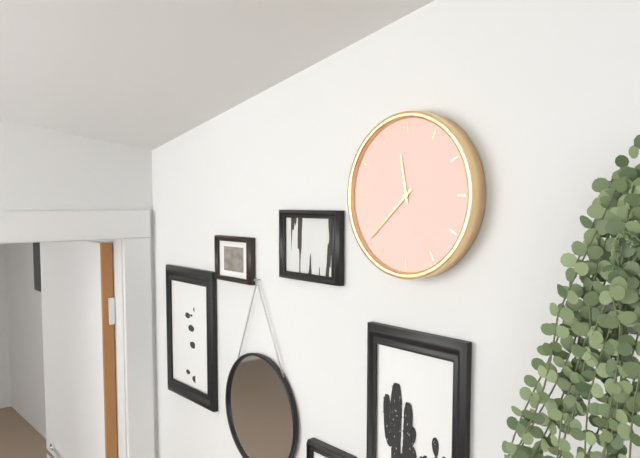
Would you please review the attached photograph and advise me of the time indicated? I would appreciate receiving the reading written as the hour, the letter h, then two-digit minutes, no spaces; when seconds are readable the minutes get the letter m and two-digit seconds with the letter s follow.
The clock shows 11h38
